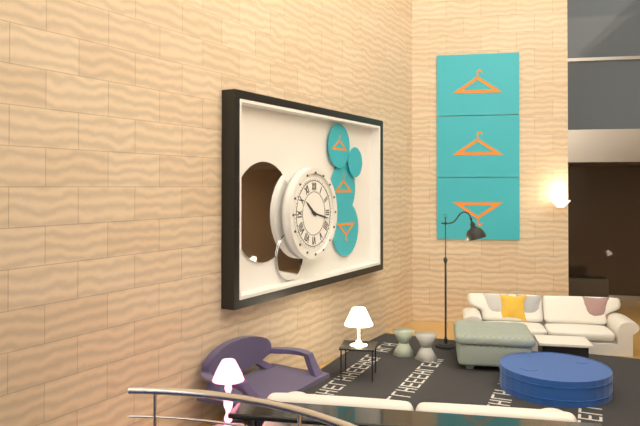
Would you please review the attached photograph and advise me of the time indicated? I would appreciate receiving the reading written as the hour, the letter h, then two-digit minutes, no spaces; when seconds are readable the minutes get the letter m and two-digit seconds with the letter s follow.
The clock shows 10h17
